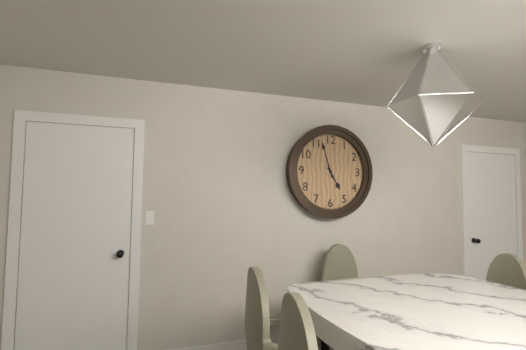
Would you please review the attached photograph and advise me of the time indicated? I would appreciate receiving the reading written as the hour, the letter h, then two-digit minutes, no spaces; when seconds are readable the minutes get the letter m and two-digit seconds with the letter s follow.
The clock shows 4h57
